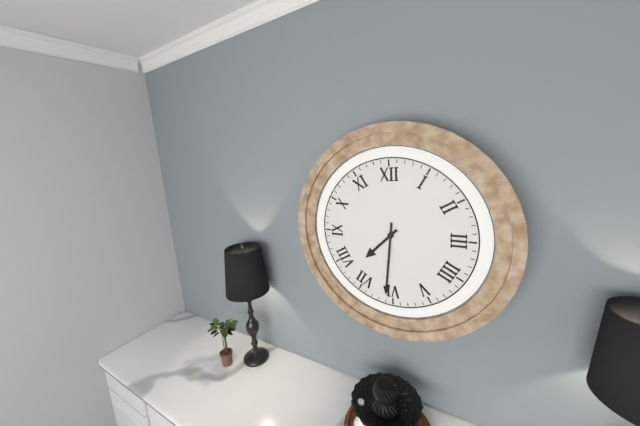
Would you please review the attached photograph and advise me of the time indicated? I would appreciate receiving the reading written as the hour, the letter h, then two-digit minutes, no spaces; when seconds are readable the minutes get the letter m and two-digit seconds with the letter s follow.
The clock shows 7h31
